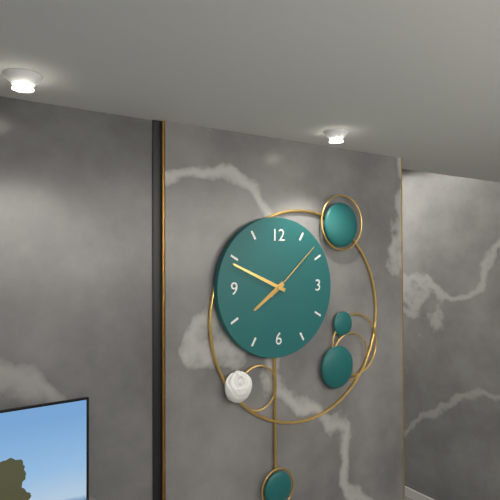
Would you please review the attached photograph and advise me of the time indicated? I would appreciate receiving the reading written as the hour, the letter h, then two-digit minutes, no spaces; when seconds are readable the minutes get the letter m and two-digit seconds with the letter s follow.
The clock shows 7h49m08s
